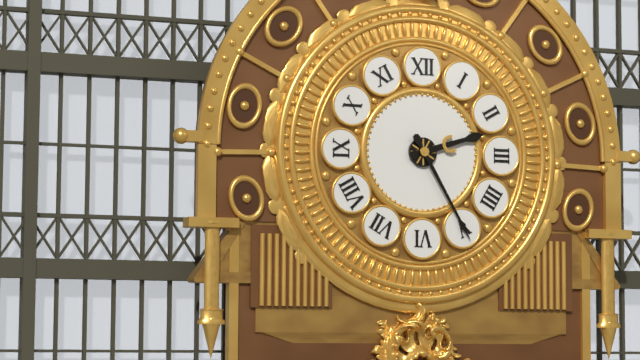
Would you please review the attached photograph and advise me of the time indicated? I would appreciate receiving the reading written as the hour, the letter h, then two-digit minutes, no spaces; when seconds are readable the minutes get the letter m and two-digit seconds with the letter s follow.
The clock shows 2h25
